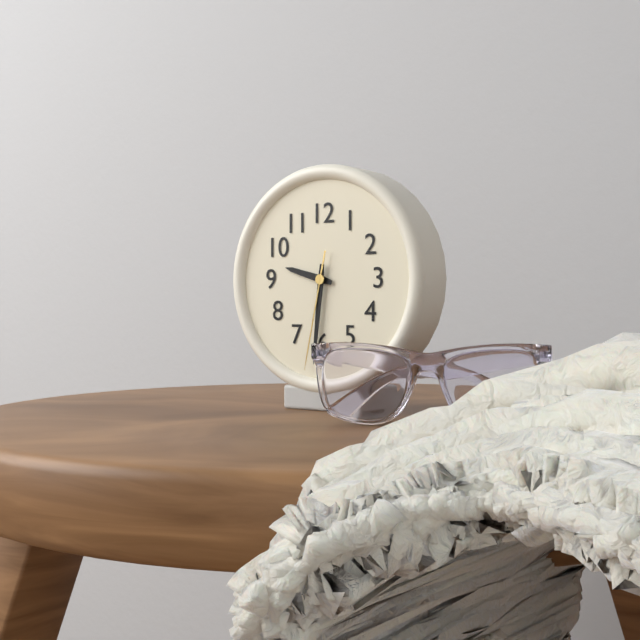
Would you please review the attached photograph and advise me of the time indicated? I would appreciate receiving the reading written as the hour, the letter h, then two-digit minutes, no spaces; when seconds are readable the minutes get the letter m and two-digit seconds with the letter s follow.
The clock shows 9h31m32s
